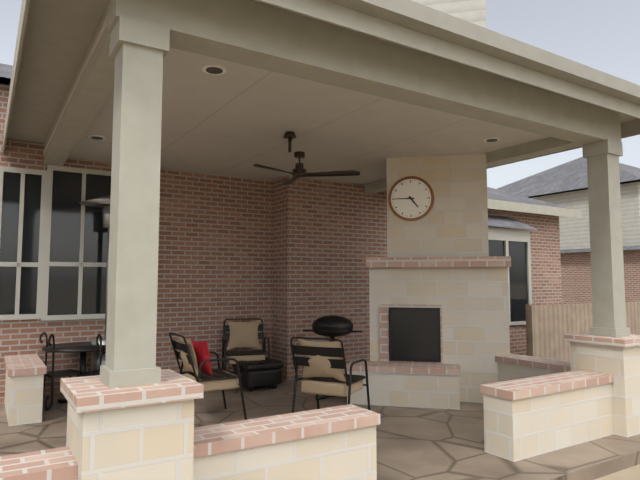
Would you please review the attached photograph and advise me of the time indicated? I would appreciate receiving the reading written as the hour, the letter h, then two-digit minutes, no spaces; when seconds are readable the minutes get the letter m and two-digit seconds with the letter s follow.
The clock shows 4h45
